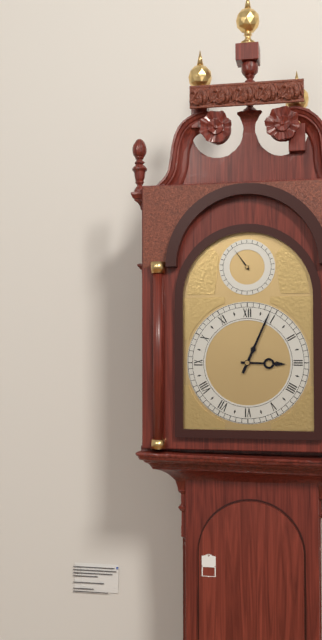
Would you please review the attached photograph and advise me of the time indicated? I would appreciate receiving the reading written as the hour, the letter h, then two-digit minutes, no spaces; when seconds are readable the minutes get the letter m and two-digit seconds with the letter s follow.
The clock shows 3h04
